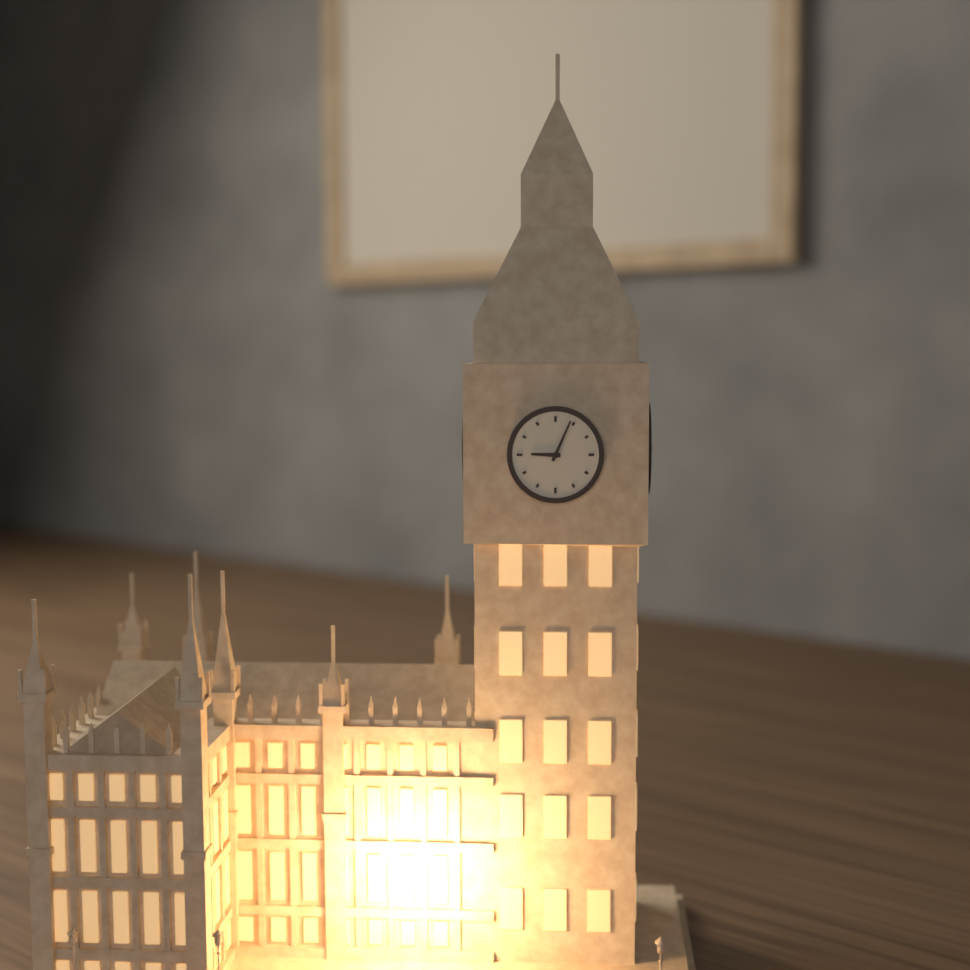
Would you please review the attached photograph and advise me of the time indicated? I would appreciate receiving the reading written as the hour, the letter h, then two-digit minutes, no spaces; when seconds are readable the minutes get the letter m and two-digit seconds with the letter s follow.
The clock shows 9h04
